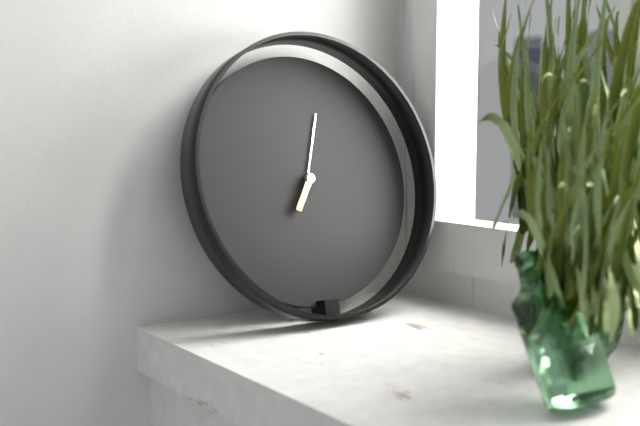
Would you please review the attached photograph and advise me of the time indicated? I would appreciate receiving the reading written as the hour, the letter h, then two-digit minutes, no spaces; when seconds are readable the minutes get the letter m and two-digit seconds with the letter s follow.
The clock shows 7h03
